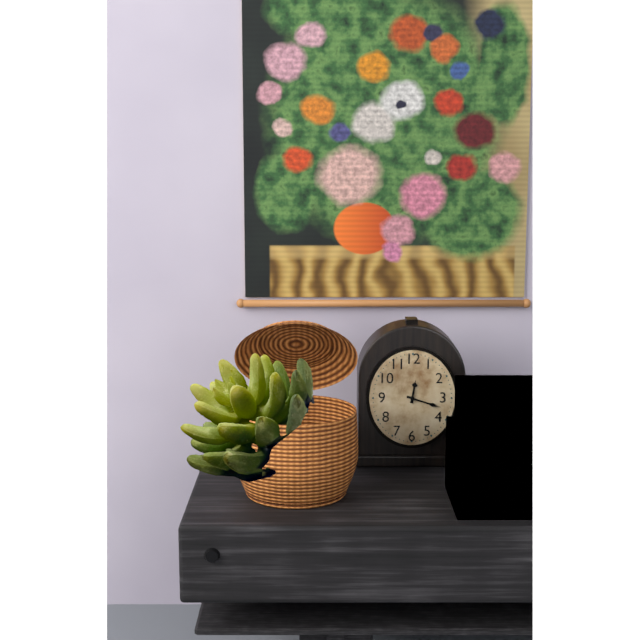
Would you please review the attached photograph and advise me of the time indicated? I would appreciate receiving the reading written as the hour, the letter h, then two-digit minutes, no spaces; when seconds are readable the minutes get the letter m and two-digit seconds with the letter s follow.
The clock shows 12h18
